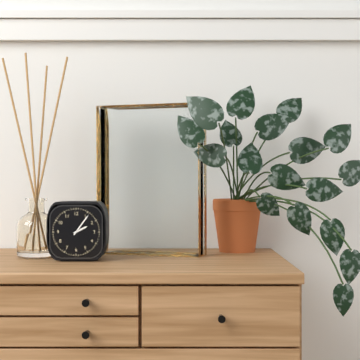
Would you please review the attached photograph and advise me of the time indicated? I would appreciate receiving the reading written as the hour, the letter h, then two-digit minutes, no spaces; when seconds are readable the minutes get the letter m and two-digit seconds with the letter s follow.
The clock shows 2h06
